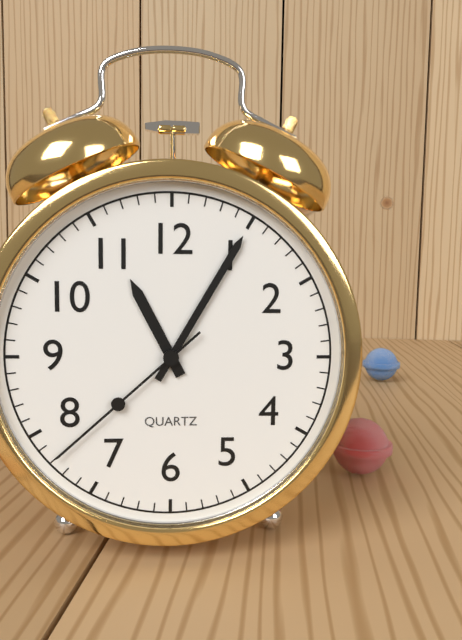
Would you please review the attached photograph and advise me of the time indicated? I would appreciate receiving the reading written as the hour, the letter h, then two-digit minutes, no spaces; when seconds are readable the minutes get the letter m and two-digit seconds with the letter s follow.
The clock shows 11h05m38s
